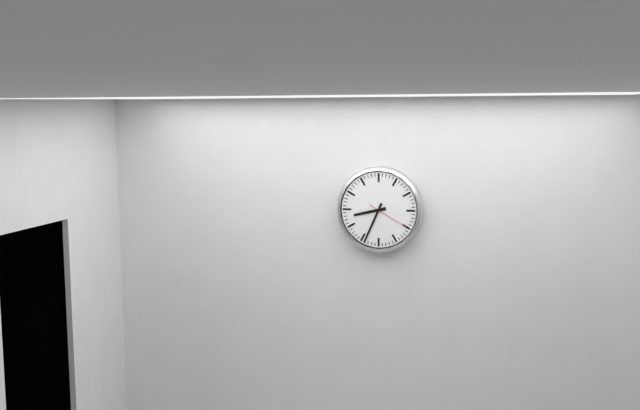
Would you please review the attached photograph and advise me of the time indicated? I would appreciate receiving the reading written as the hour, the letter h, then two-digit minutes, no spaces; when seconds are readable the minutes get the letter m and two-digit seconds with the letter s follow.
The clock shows 8h34
